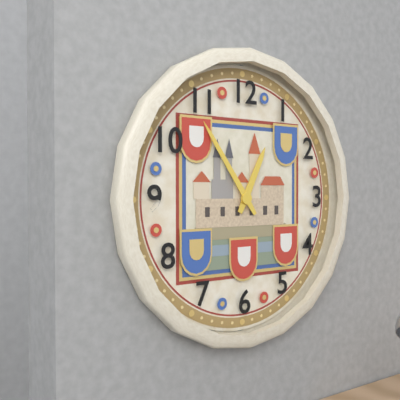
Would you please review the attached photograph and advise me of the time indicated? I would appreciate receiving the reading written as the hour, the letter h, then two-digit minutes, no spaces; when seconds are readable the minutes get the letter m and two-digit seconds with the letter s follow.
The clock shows 12h54
